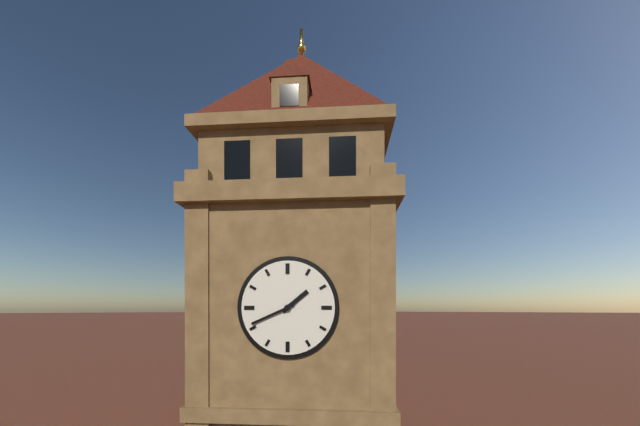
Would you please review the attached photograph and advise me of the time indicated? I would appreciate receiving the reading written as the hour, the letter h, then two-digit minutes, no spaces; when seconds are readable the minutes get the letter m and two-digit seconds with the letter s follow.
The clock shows 1h41
